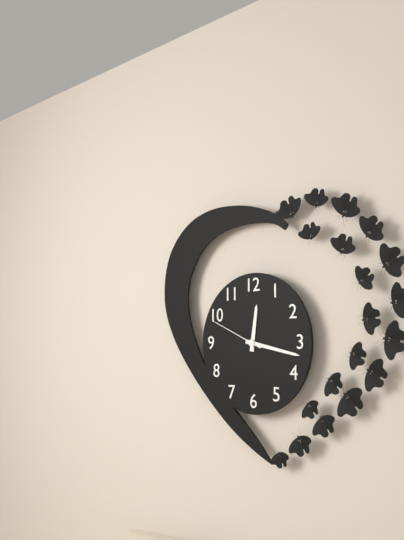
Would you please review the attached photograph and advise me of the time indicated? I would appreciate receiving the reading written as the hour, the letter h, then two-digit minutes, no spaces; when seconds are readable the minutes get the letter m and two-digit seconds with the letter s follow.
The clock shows 12h17m49s
